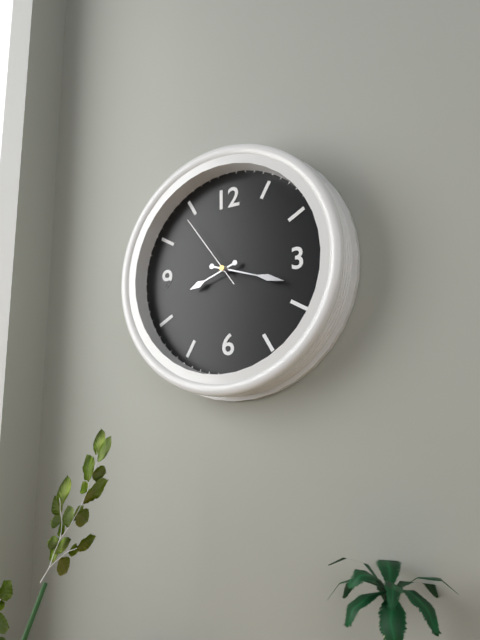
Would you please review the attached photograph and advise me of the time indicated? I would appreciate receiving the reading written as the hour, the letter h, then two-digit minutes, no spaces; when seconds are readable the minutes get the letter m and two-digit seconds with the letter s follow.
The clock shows 8h18m54s
